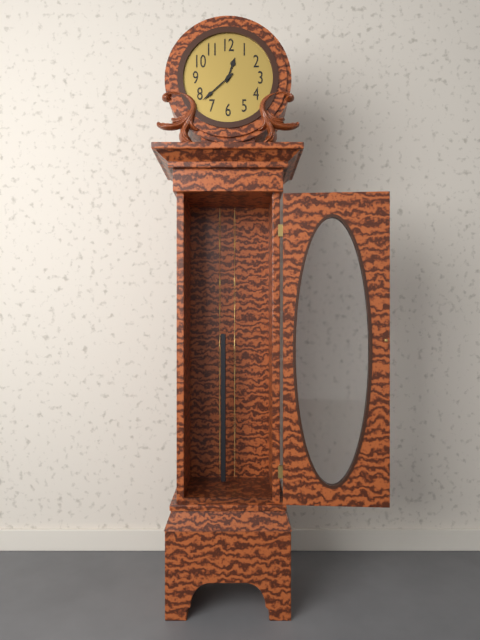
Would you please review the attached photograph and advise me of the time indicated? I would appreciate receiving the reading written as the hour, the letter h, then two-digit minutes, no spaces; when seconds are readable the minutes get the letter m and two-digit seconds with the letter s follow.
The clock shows 12h38
